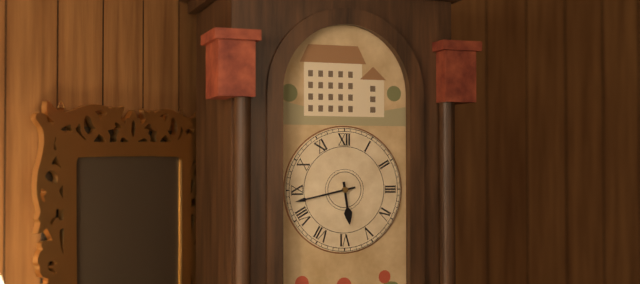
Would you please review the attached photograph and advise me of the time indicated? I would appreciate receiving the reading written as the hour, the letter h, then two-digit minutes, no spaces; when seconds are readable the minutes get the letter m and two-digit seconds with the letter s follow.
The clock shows 5h43
